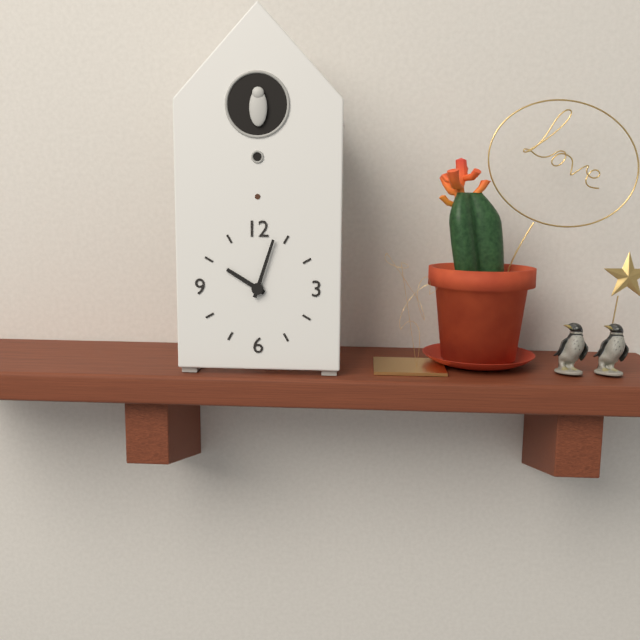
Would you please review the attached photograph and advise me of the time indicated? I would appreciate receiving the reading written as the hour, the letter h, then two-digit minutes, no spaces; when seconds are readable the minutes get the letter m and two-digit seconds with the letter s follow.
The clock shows 10h03
